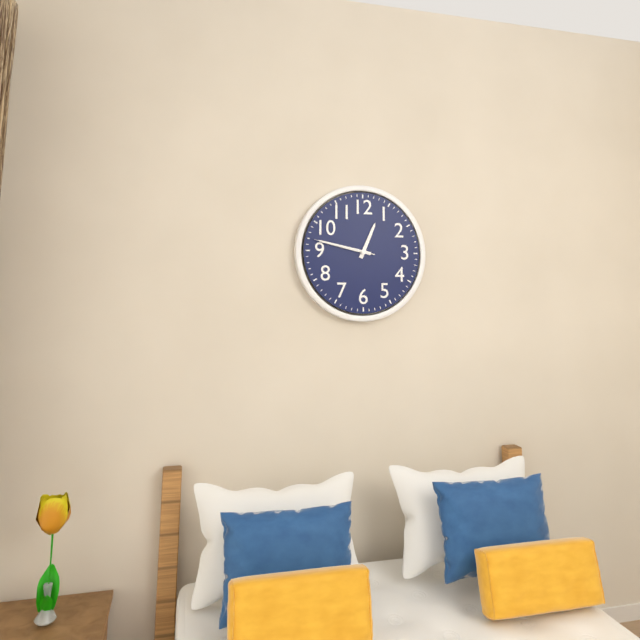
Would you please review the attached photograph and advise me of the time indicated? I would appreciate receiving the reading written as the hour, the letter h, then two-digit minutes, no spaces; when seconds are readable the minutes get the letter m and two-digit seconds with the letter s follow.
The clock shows 12h47m47s
